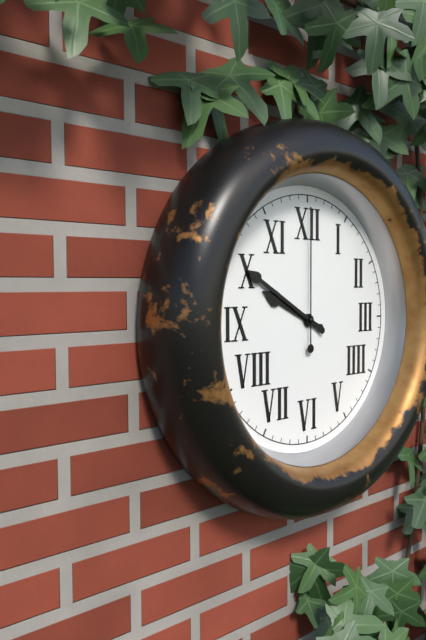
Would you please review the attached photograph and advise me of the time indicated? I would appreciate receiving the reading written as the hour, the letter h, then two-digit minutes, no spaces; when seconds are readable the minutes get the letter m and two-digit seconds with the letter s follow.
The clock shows 9h50m00s
